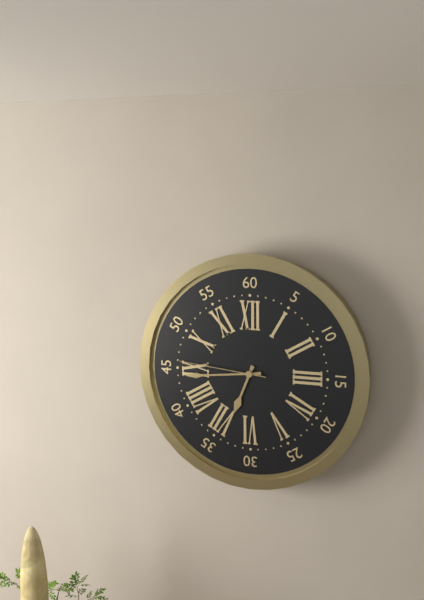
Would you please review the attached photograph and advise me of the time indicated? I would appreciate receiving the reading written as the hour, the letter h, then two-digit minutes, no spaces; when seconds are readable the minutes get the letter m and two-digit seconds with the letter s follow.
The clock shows 6h44m46s
